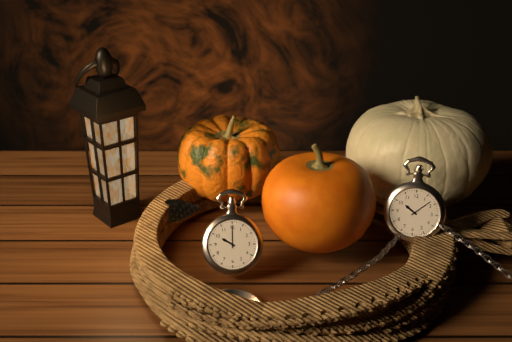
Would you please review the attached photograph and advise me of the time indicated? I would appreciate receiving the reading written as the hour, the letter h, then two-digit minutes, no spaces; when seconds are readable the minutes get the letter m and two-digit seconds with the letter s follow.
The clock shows 10h00
